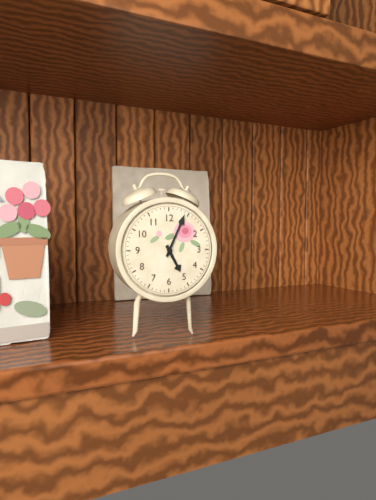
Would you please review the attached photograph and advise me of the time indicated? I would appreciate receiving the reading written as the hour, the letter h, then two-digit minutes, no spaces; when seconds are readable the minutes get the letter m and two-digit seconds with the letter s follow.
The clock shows 5h04
